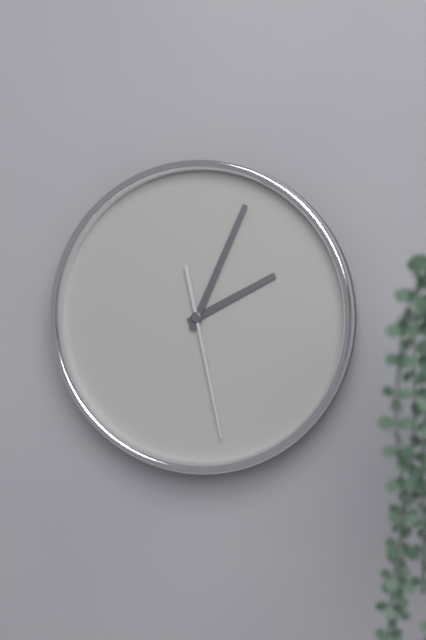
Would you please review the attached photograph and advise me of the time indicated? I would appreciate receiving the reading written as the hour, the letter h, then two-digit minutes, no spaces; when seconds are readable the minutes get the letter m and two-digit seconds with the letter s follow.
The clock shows 2h04m28s
